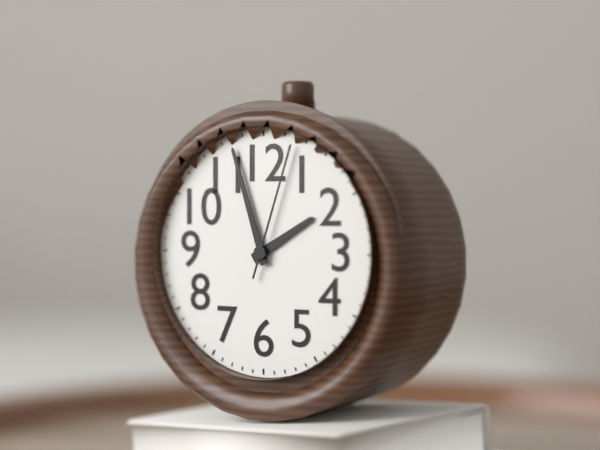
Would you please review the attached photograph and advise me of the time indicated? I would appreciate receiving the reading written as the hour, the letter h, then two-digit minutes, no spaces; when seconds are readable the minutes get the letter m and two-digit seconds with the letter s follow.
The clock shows 1h57m03s
